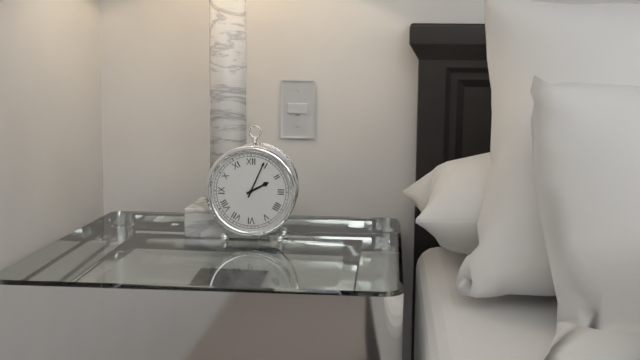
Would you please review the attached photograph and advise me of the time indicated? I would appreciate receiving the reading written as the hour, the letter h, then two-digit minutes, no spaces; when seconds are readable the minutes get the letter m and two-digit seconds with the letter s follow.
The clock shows 2h04
